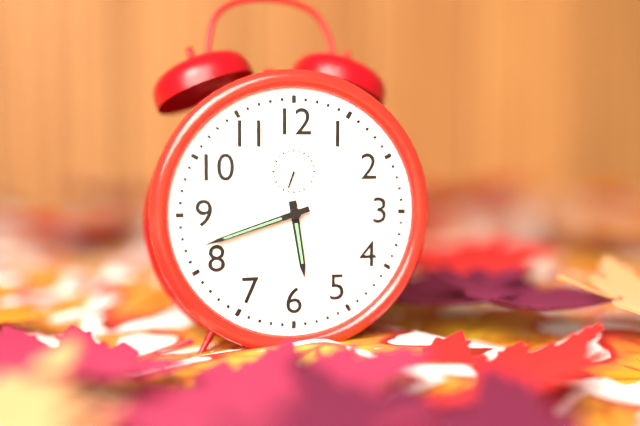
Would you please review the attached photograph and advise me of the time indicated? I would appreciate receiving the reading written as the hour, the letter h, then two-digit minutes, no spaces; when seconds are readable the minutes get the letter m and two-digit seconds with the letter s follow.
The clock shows 5h42
